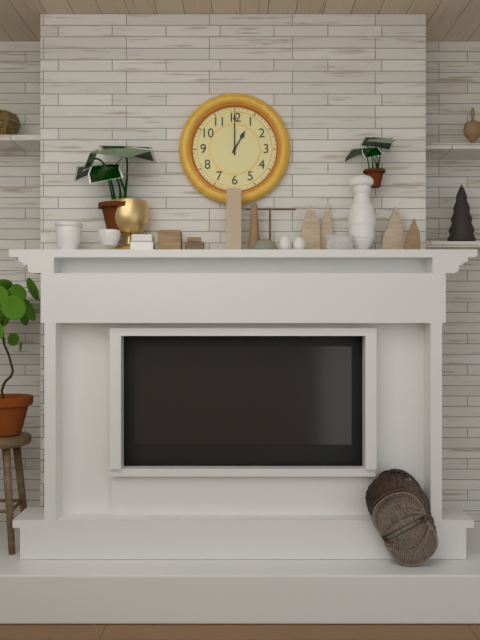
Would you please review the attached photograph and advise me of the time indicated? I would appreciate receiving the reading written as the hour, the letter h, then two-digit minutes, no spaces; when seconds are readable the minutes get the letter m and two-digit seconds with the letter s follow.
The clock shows 1h00
